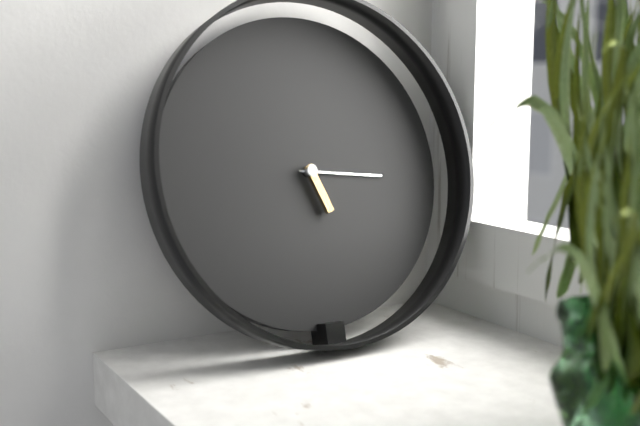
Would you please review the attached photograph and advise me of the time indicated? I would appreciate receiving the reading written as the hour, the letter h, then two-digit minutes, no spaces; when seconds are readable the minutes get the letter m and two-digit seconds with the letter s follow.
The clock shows 5h16
